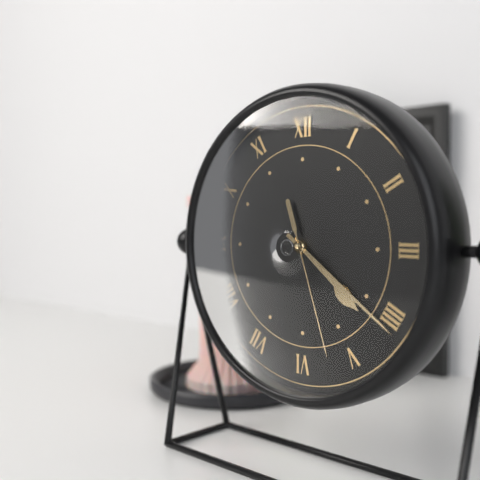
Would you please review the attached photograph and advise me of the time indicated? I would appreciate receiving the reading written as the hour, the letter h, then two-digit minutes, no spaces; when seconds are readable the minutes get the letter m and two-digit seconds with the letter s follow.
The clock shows 4h21m27s
